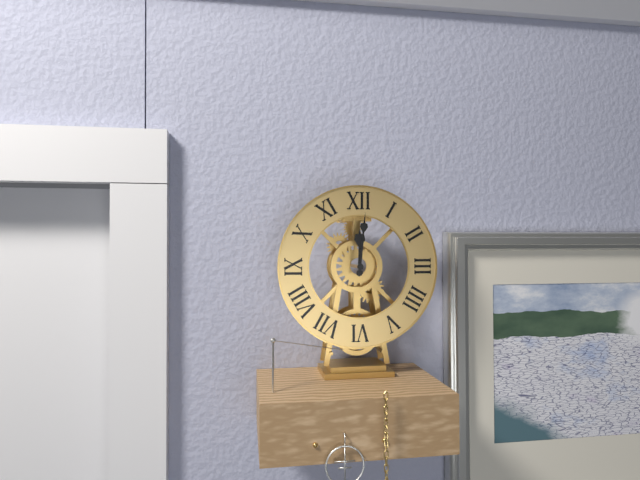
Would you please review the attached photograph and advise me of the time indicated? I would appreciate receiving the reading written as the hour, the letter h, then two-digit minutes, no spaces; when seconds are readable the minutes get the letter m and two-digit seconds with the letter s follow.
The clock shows 12h01
